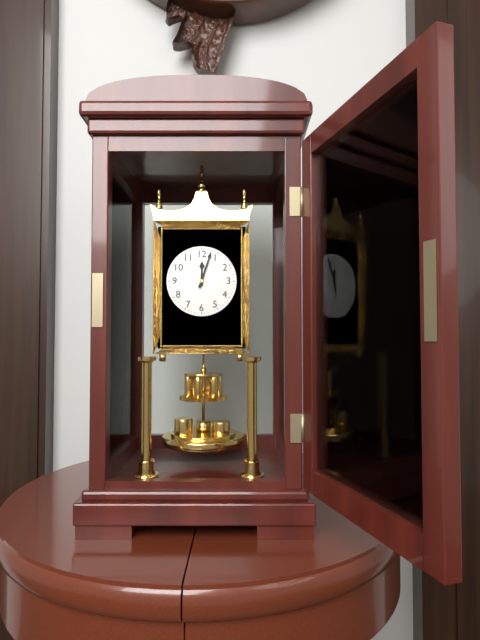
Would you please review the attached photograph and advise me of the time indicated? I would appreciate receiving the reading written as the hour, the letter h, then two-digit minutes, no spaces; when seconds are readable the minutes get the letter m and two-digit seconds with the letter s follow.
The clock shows 12h03
